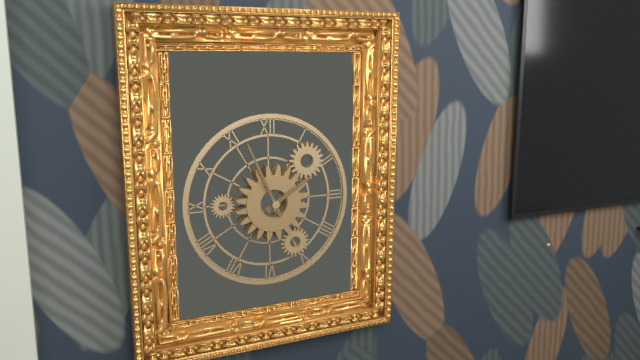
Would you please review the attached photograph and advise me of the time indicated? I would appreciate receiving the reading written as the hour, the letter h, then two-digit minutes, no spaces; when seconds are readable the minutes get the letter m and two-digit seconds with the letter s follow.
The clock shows 1h56
